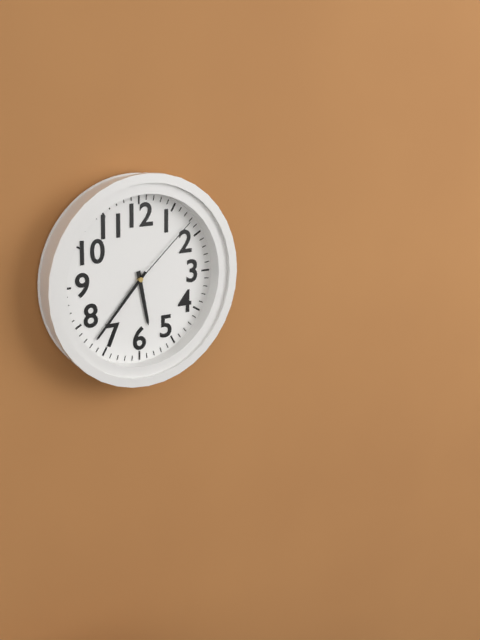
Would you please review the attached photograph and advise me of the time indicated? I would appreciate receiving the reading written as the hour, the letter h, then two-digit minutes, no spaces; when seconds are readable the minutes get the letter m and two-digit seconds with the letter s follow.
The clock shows 5h37m08s
